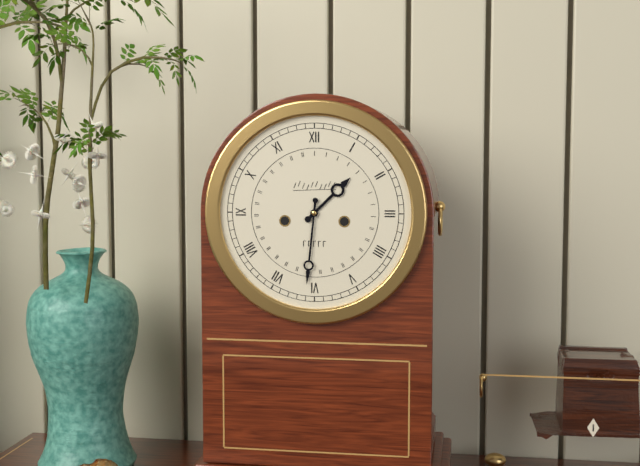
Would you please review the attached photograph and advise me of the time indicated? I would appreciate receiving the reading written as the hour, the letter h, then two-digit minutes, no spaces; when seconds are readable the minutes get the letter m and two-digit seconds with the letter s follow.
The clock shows 1h31
